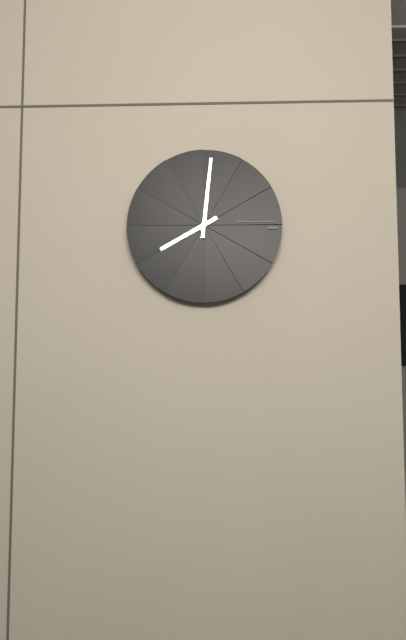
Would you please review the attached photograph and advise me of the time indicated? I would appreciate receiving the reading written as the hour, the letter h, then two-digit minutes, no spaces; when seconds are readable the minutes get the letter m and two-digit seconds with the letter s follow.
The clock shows 8h01
